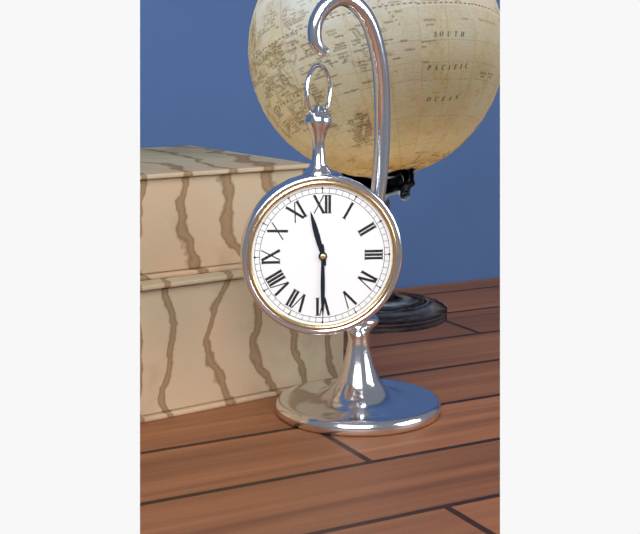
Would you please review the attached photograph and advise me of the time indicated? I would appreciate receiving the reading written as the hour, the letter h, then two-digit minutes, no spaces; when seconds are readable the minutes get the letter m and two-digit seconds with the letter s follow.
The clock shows 11h30
